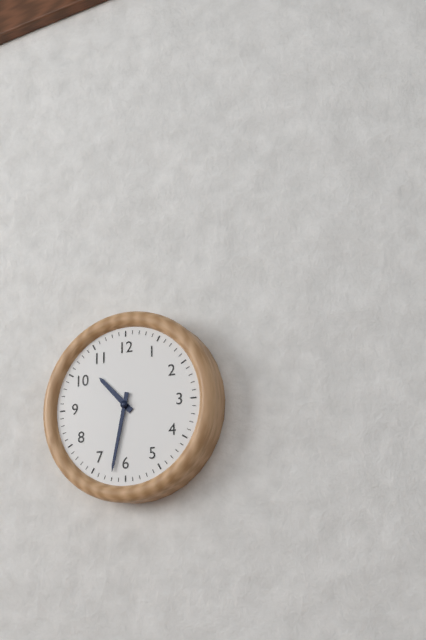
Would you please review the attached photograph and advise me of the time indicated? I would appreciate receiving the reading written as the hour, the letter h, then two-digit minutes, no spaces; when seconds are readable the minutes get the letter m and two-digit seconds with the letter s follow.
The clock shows 10h32
